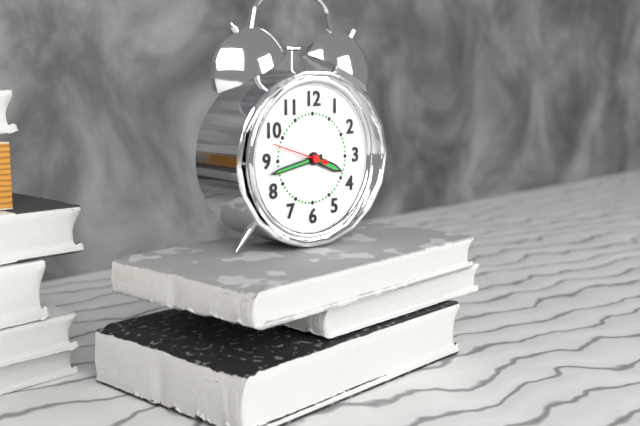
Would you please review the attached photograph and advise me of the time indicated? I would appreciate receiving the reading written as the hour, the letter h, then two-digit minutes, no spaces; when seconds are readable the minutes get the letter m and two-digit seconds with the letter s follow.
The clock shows 3h43m48s
